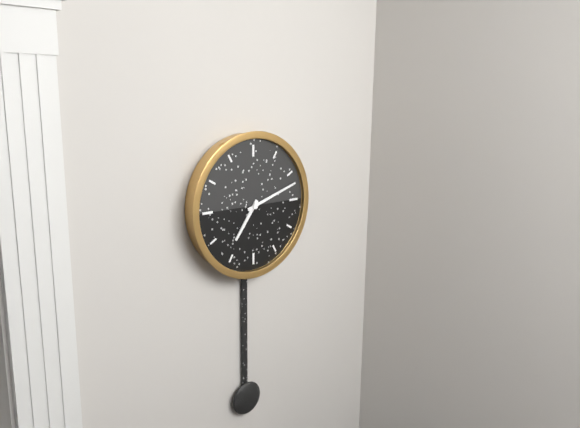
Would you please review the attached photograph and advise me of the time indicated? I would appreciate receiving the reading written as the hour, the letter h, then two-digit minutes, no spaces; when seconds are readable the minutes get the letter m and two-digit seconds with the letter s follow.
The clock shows 7h12
